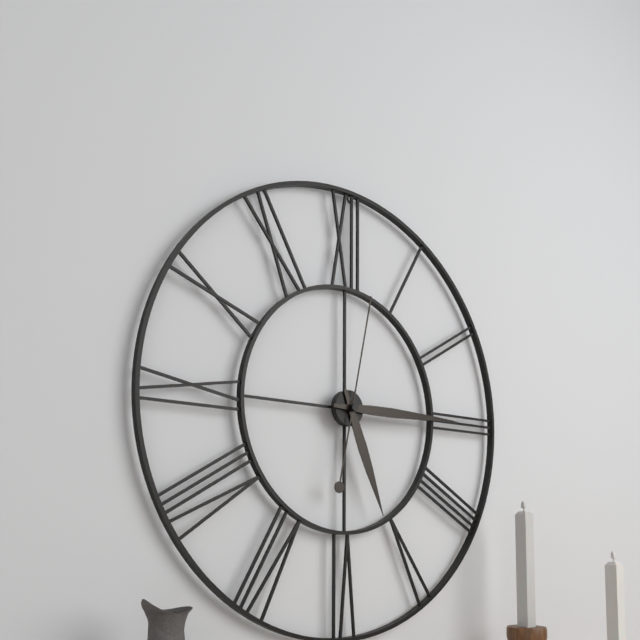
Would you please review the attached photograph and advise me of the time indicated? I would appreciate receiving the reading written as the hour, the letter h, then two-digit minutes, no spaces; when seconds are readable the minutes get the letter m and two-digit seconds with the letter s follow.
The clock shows 5h15m02s
